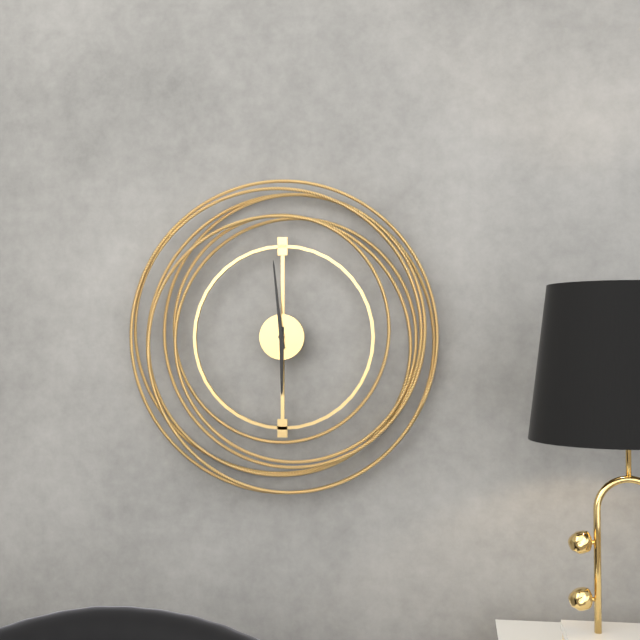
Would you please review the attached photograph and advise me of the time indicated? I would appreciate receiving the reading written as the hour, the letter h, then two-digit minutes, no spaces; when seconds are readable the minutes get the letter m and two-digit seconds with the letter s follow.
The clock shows 5h59
